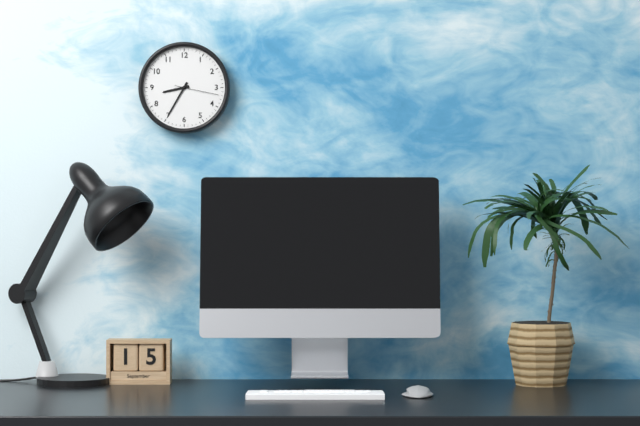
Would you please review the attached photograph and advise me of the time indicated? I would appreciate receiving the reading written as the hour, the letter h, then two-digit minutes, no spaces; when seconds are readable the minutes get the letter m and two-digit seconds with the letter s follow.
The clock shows 8h35
